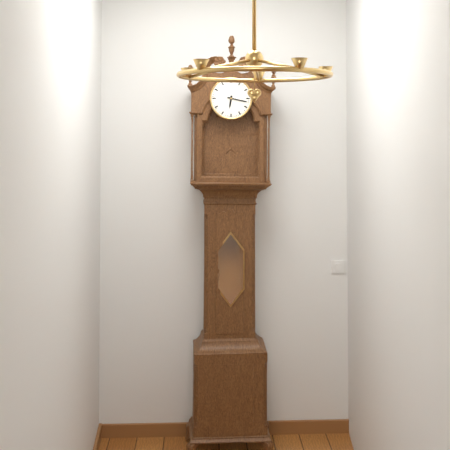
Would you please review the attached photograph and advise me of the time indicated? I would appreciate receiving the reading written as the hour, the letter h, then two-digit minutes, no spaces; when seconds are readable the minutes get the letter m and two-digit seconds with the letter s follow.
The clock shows 6h17
